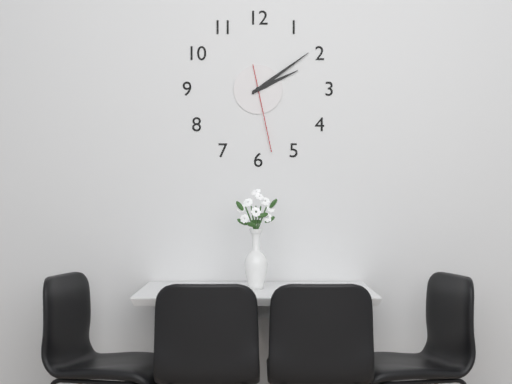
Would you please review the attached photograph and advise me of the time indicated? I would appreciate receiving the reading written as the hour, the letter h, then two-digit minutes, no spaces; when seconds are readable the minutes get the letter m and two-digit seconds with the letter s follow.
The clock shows 2h09m28s
